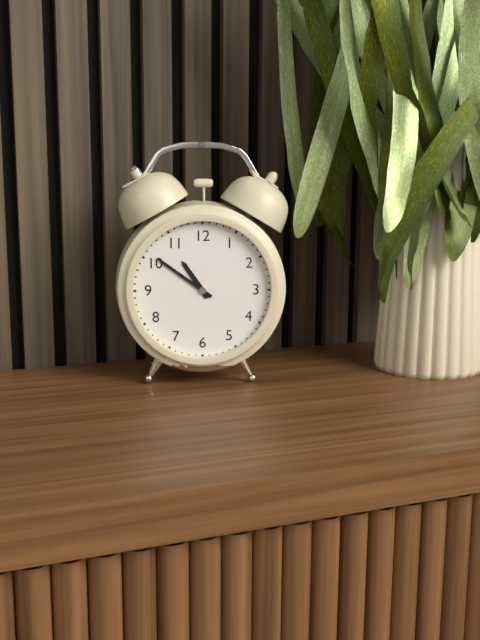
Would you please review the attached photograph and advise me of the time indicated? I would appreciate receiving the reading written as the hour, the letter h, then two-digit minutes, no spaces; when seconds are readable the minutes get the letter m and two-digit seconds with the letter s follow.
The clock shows 10h51
